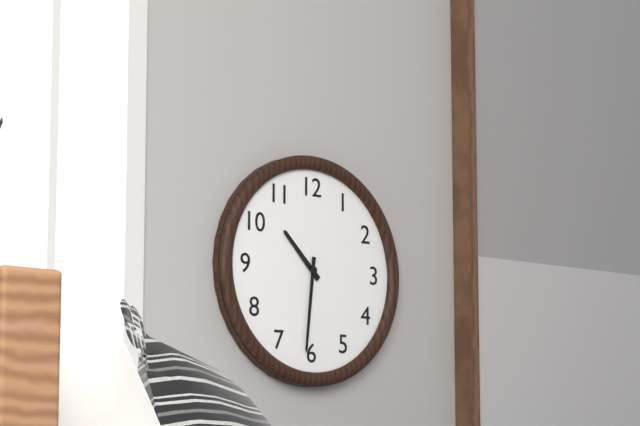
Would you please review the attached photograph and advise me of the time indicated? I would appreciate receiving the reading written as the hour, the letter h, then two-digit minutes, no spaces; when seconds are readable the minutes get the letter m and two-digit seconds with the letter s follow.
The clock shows 10h31
